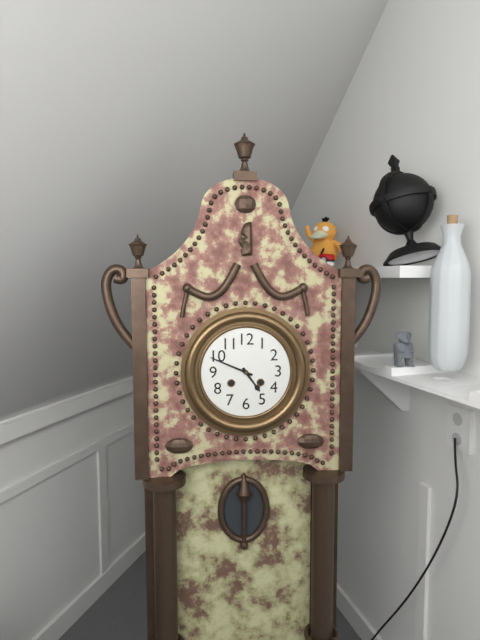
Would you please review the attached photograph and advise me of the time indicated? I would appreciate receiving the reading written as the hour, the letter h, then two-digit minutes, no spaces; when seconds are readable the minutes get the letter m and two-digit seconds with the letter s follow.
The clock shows 4h49
